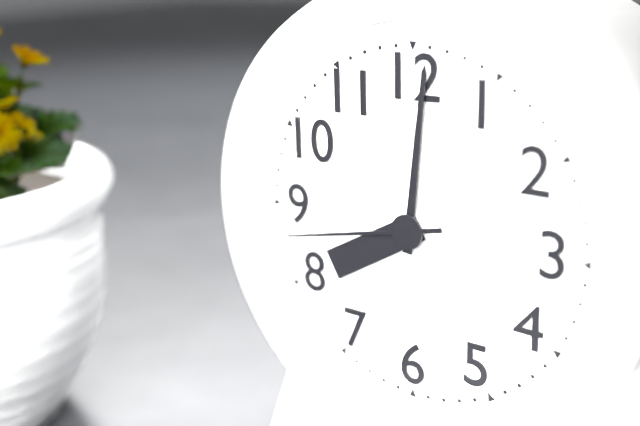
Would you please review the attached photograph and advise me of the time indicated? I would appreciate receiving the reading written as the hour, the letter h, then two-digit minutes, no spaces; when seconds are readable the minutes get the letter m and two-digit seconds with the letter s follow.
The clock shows 8h01m43s
